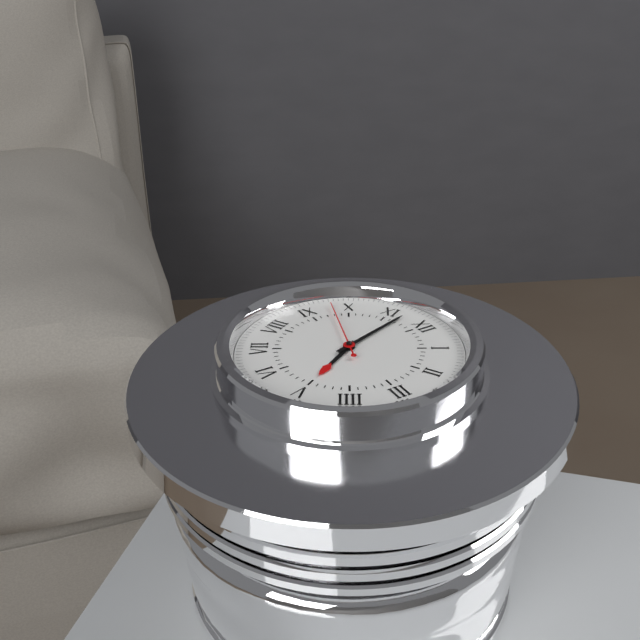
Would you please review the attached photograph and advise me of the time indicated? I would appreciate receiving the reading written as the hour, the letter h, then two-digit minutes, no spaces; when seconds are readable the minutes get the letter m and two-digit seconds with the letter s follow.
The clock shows 4h57m48s
